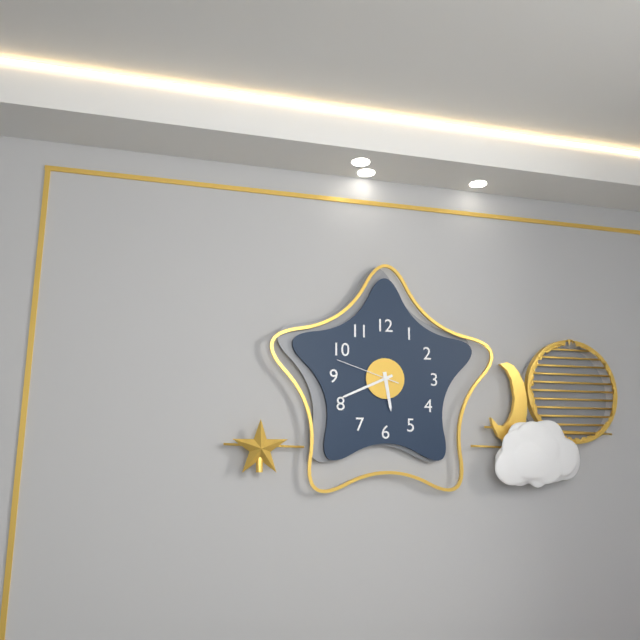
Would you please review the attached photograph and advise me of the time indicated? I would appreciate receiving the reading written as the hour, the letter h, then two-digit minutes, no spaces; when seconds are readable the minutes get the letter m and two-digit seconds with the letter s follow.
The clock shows 5h41m48s
